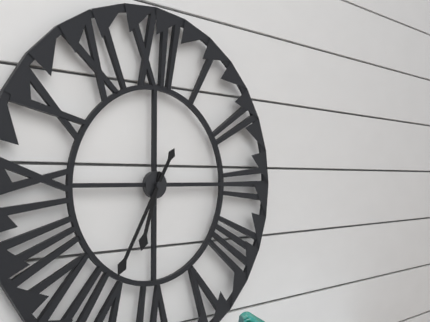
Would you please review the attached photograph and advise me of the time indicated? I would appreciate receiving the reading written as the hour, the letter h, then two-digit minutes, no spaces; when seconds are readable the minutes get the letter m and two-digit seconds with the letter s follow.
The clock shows 6h35
